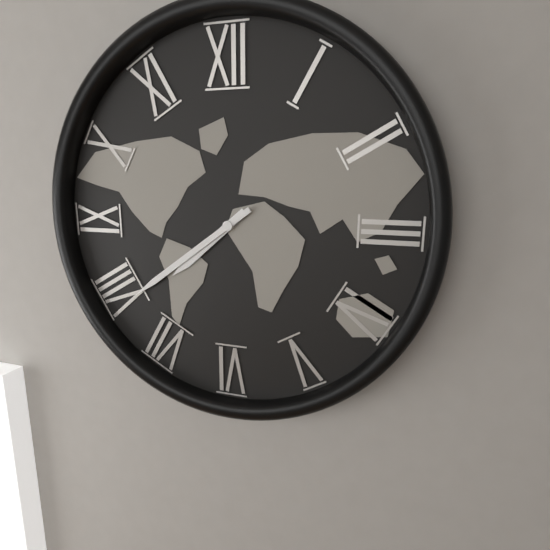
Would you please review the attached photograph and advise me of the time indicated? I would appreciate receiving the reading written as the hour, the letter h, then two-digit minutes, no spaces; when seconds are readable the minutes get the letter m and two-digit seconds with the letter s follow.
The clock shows 7h39
